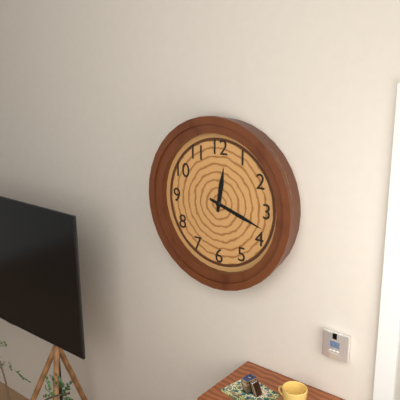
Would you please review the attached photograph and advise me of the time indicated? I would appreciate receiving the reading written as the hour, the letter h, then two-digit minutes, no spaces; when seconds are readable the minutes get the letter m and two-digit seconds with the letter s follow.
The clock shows 12h18
